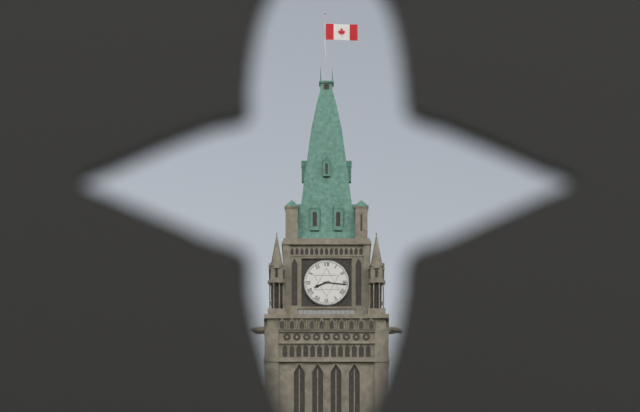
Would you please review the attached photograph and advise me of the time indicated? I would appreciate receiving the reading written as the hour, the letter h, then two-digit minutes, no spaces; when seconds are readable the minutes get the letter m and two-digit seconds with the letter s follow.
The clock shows 8h16
